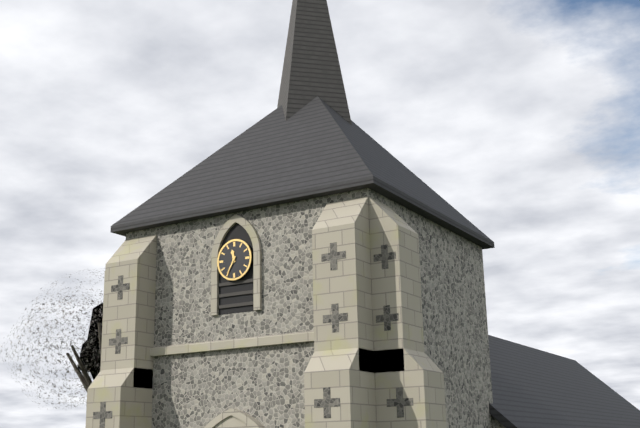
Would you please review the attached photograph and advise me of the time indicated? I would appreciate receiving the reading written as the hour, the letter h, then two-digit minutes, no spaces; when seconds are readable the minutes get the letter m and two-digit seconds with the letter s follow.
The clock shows 11h35
